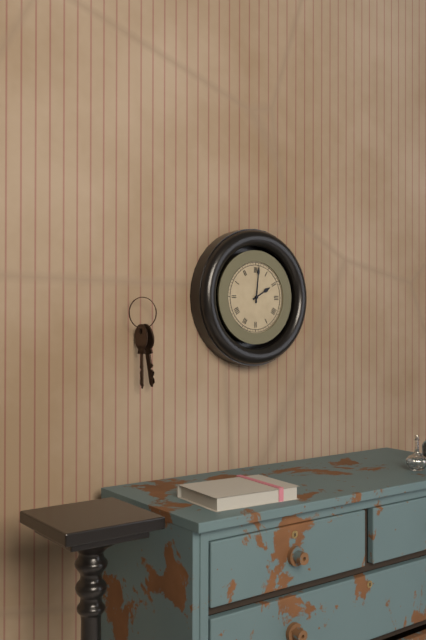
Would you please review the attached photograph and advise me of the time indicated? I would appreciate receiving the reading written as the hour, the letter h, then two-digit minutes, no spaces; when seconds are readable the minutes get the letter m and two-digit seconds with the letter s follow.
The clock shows 2h01
